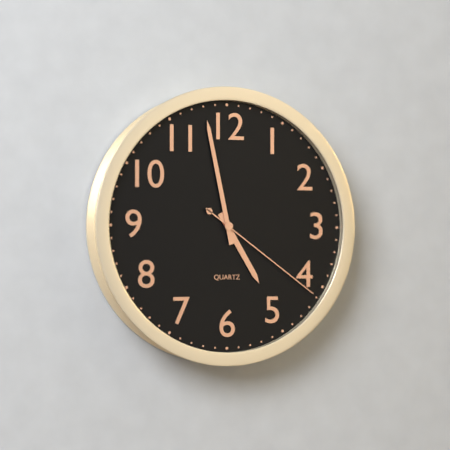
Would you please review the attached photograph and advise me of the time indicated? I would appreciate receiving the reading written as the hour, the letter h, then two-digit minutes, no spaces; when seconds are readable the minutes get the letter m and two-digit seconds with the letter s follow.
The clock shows 4h58m21s
